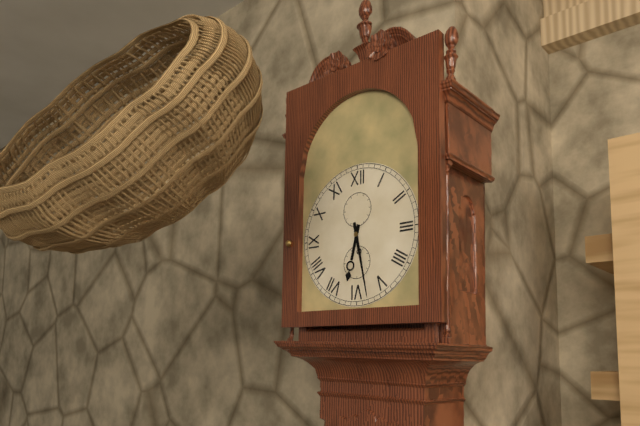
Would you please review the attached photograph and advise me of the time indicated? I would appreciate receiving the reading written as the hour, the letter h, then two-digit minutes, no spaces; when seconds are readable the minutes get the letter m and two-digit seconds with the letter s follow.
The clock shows 6h28
